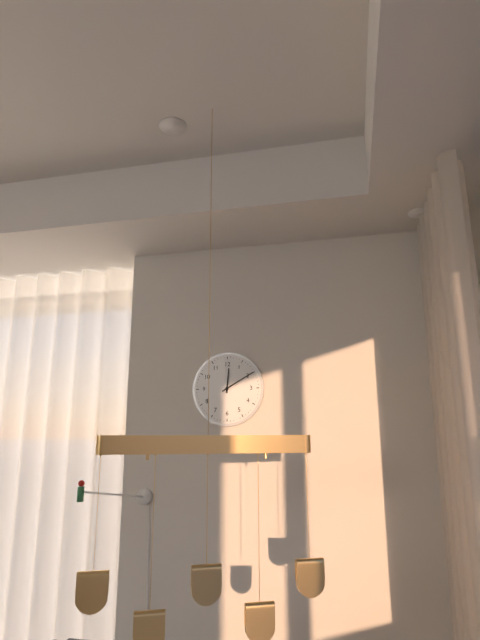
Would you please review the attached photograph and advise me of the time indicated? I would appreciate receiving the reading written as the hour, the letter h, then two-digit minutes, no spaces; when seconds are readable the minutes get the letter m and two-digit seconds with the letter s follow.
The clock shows 12h10
